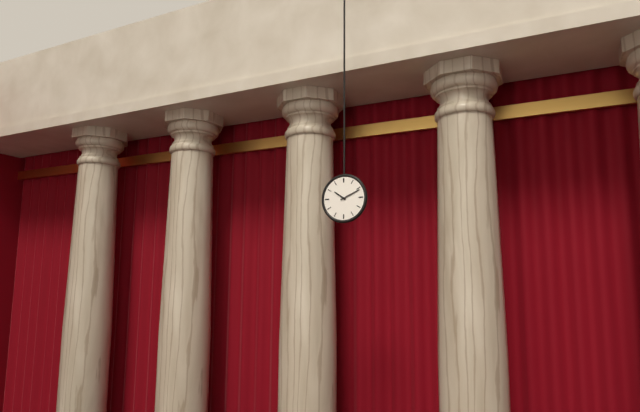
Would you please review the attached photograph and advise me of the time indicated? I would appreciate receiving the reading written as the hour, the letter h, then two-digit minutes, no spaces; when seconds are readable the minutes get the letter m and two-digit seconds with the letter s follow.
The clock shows 10h11
